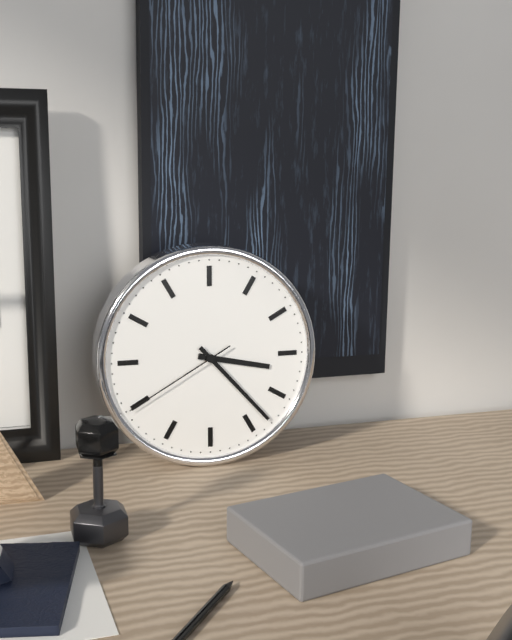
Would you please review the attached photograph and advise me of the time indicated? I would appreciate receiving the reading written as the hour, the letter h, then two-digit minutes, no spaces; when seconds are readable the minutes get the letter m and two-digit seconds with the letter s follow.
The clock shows 3h23m40s
